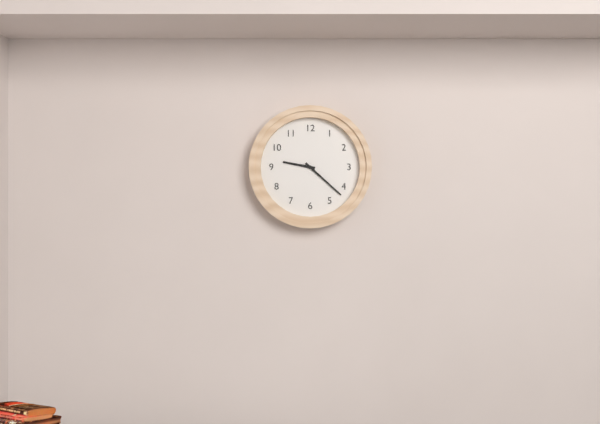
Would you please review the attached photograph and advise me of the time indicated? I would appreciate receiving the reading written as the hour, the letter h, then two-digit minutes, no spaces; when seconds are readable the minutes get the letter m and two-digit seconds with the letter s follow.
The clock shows 9h22
